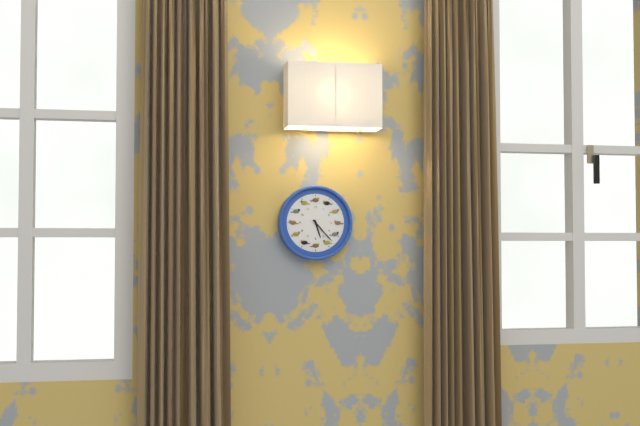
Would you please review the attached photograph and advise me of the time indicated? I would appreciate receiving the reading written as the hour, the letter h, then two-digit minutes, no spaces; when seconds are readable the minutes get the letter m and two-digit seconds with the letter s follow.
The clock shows 5h23
